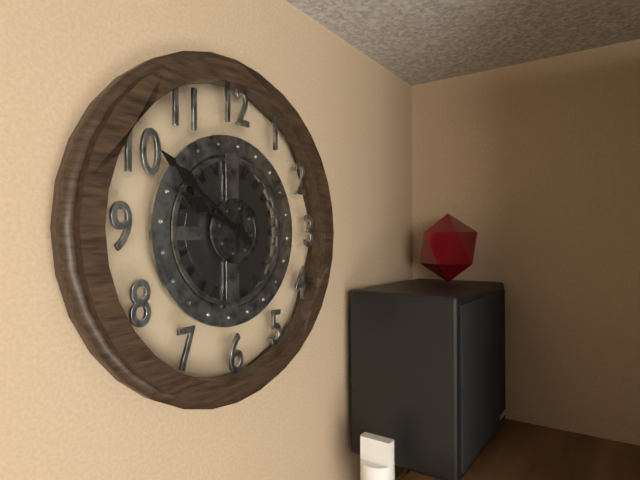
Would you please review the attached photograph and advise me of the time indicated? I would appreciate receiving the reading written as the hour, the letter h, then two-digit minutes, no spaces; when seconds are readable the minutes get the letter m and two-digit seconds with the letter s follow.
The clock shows 9h51
